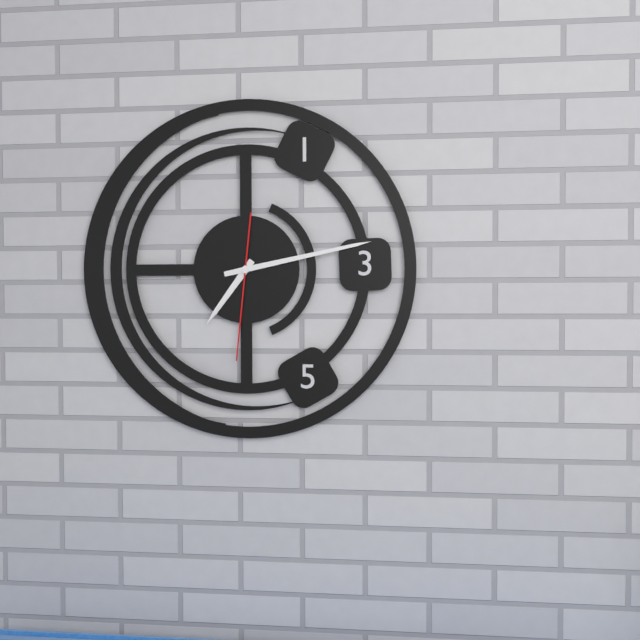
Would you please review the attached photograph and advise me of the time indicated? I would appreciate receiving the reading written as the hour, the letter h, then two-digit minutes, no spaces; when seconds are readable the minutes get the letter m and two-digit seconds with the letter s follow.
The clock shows 7h13m31s
